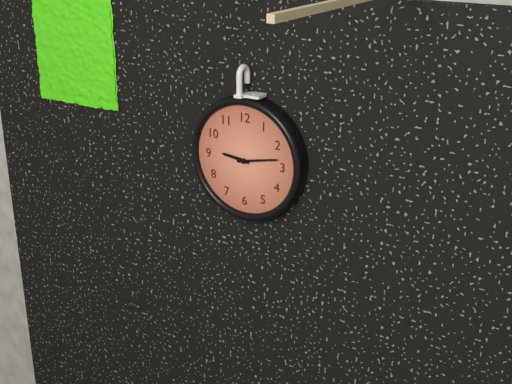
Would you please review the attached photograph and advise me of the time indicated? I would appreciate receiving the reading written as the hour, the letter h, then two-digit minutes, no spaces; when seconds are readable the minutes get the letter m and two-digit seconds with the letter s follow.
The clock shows 9h13
